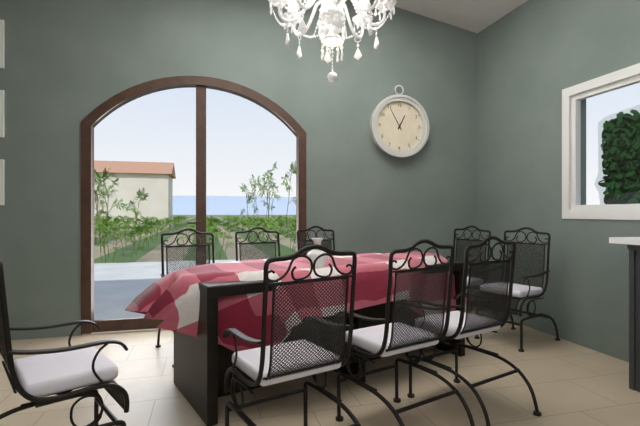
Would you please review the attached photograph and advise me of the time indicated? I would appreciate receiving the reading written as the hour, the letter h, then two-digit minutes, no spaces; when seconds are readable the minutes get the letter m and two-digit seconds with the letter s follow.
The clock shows 12h55
